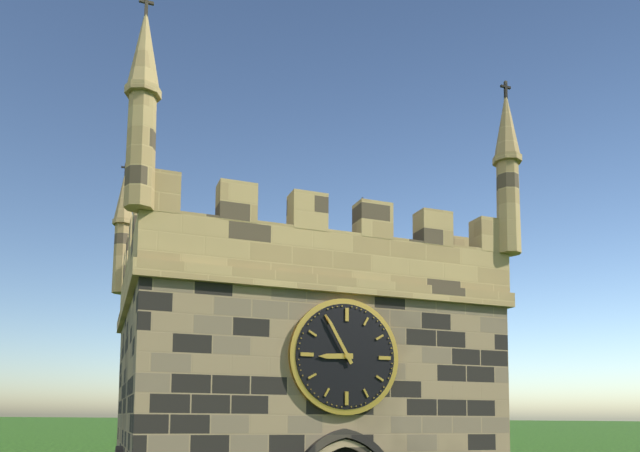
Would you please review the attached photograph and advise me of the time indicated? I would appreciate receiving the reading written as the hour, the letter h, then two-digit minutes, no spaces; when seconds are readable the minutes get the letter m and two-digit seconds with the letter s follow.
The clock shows 8h55
